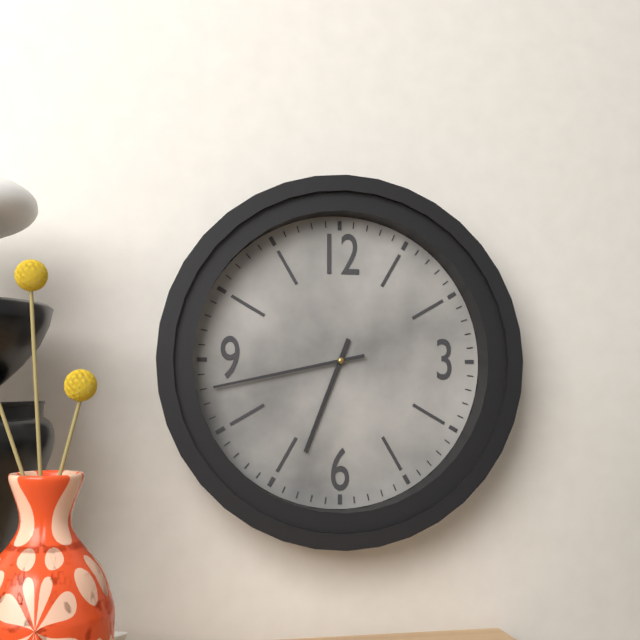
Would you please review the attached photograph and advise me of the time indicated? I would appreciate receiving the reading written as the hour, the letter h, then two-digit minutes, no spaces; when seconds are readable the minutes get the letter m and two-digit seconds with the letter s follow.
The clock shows 6h43
